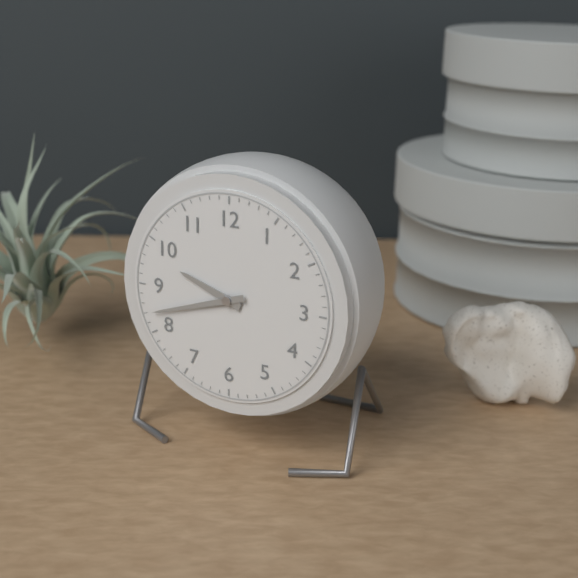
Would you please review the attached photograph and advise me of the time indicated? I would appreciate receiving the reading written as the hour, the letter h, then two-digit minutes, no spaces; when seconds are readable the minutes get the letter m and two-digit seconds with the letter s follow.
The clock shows 9h42
